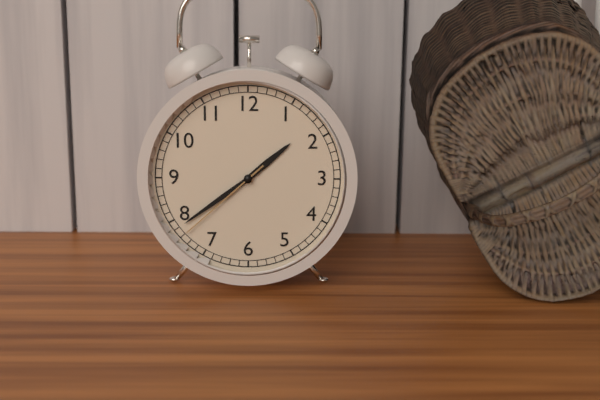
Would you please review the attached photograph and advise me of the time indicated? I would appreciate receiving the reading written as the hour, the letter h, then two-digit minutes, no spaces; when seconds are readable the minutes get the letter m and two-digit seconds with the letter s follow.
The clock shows 1h39m38s
